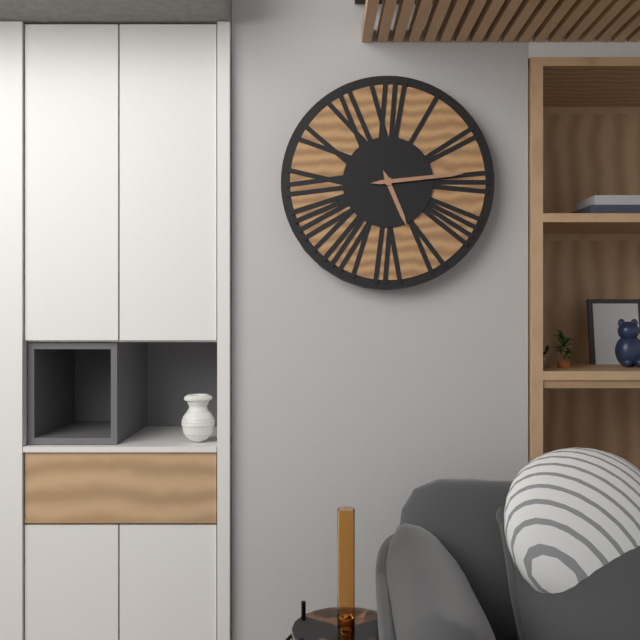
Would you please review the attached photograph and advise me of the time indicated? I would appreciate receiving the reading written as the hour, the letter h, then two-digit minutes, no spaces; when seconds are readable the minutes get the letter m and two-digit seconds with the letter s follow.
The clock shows 5h14
